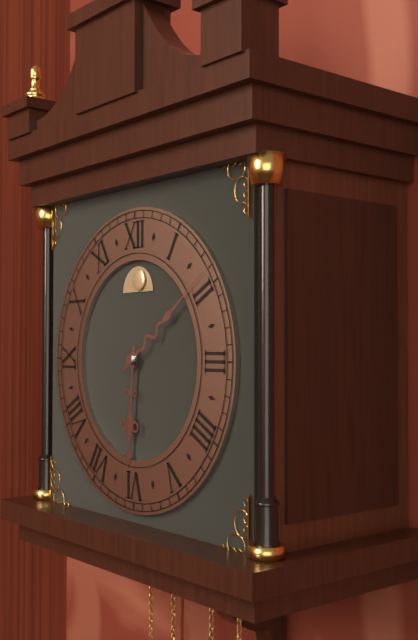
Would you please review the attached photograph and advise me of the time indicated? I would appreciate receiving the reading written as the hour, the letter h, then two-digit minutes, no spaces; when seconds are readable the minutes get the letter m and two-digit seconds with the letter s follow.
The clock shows 6h09
